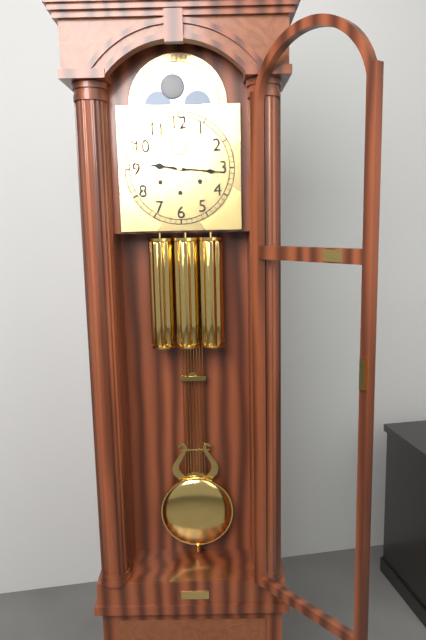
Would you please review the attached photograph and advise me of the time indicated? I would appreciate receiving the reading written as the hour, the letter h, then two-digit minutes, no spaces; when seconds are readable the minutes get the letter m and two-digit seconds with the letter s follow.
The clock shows 9h16
